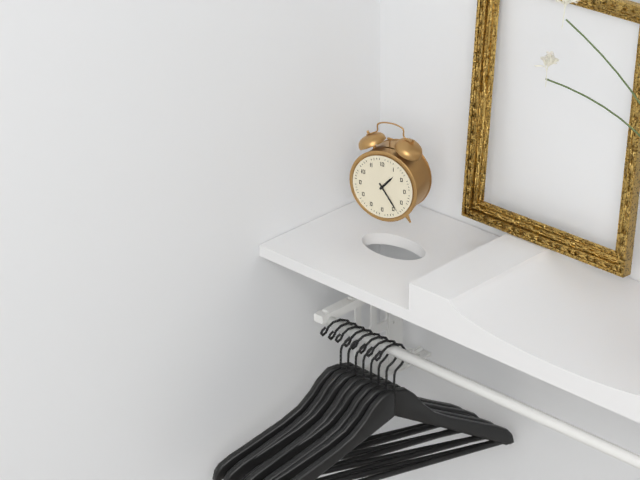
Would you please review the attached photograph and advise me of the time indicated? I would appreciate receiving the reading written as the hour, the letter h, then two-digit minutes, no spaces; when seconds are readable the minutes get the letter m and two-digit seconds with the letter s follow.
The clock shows 1h24
